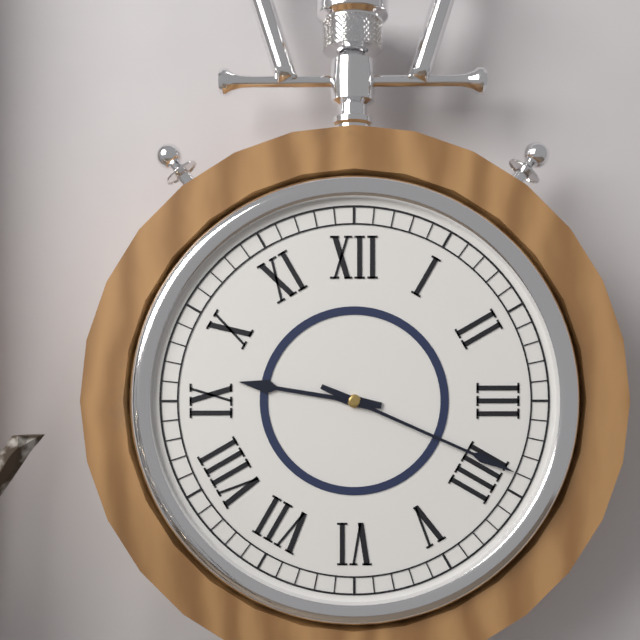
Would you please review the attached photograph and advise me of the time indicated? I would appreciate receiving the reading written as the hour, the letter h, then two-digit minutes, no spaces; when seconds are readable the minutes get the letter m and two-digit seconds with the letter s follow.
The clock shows 9h19
